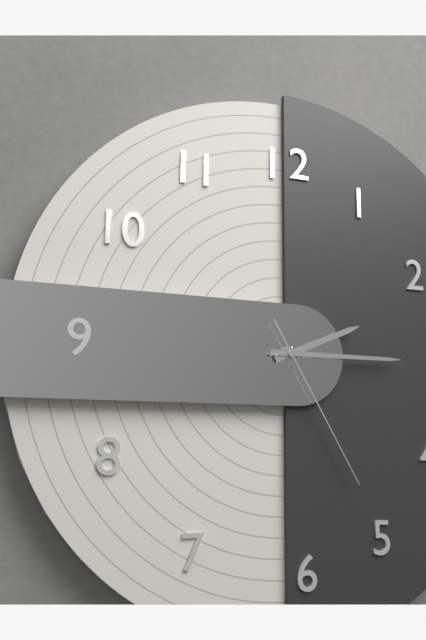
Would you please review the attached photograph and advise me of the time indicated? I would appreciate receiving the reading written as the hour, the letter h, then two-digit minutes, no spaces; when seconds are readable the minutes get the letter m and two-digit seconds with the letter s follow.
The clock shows 2h15m25s
